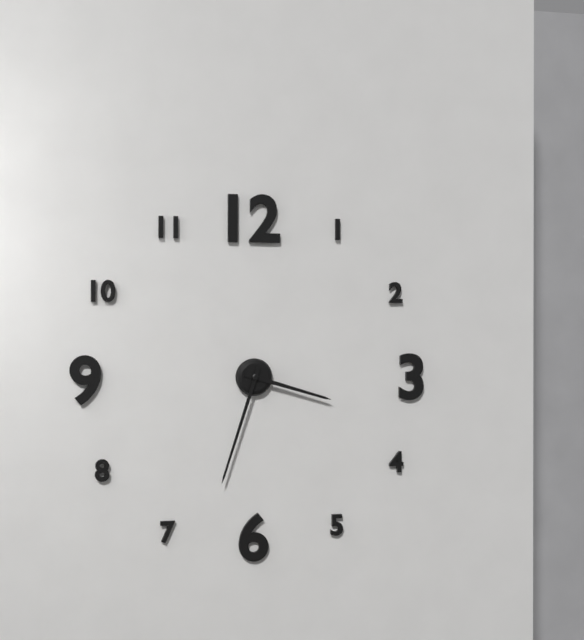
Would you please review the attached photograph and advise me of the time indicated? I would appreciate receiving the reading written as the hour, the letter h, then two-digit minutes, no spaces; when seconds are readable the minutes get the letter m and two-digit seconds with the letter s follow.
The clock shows 3h33
